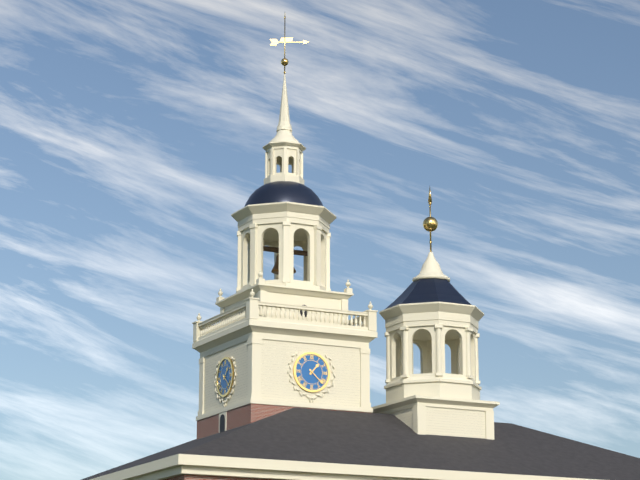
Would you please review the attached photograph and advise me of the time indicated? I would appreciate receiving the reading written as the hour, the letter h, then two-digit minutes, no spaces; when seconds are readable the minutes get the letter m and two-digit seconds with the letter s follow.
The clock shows 1h22
